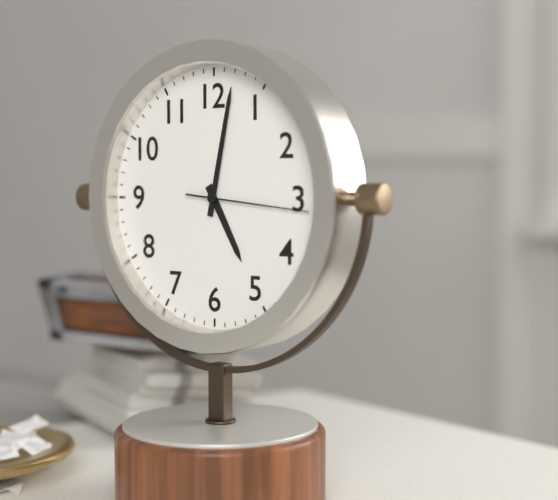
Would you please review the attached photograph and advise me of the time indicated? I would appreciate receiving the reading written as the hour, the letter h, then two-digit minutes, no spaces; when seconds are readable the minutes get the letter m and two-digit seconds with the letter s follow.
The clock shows 5h02m16s
